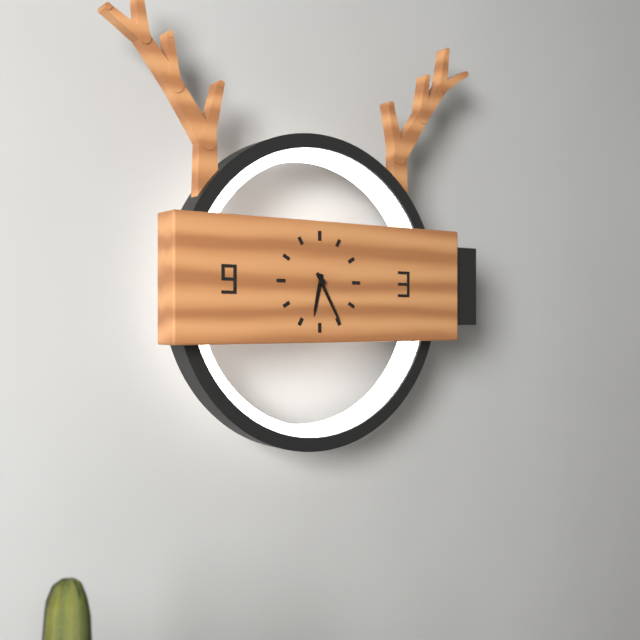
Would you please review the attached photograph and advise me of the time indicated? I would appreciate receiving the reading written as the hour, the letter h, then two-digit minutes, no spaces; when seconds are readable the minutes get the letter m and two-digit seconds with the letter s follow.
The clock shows 6h25
